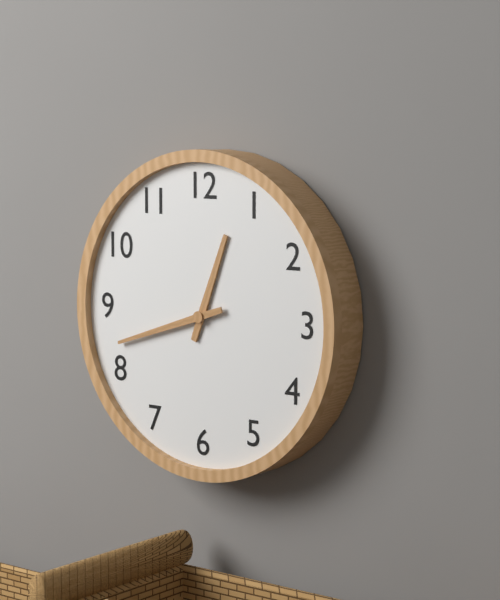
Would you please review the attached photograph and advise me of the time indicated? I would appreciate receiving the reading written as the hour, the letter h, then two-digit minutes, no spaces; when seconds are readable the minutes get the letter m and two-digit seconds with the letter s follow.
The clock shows 12h42
